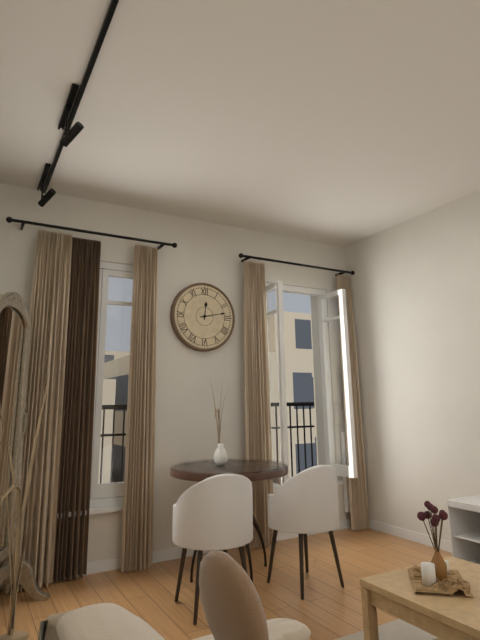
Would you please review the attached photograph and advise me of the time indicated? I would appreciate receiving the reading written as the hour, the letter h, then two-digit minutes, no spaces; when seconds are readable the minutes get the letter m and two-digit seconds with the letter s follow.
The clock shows 12h13
